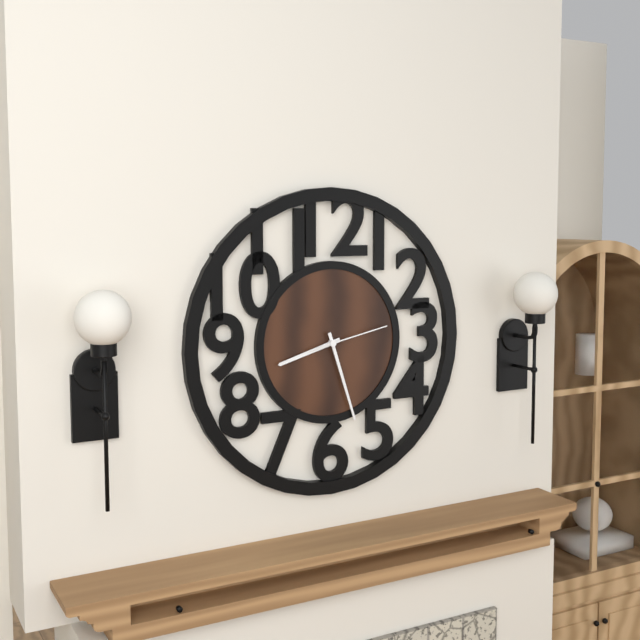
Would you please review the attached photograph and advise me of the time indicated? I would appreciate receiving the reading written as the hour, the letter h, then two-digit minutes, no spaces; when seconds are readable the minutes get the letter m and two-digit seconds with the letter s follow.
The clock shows 8h27m13s
